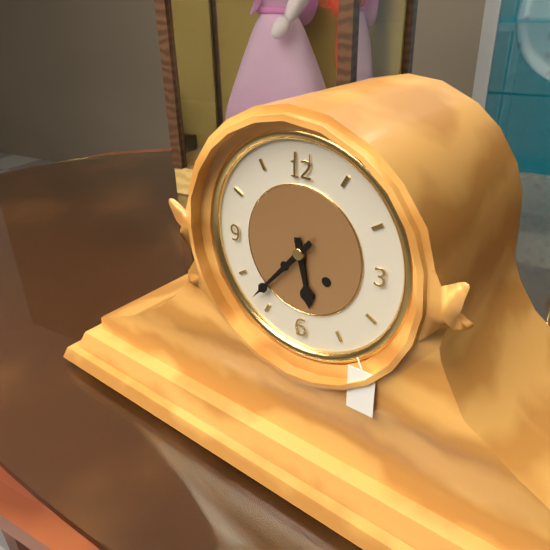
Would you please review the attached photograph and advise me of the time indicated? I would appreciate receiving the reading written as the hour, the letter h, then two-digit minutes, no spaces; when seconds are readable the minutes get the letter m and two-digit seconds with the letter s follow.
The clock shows 5h37
